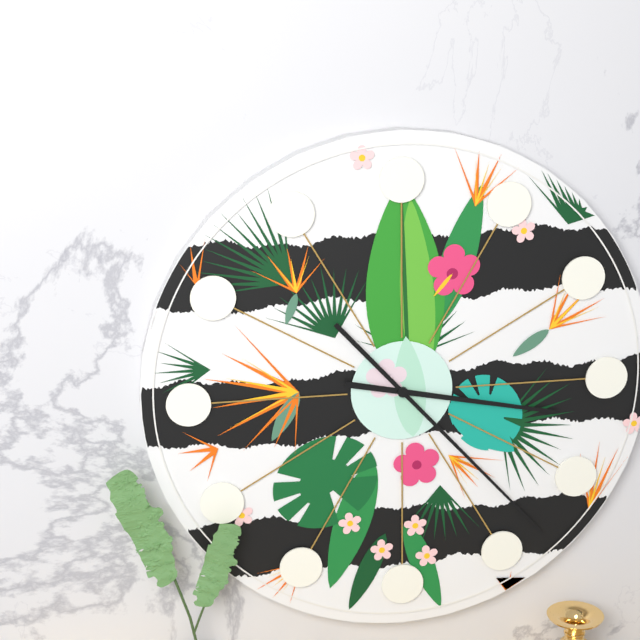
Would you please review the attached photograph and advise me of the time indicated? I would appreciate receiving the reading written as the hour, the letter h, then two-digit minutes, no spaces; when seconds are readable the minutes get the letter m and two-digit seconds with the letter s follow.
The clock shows 3h23
